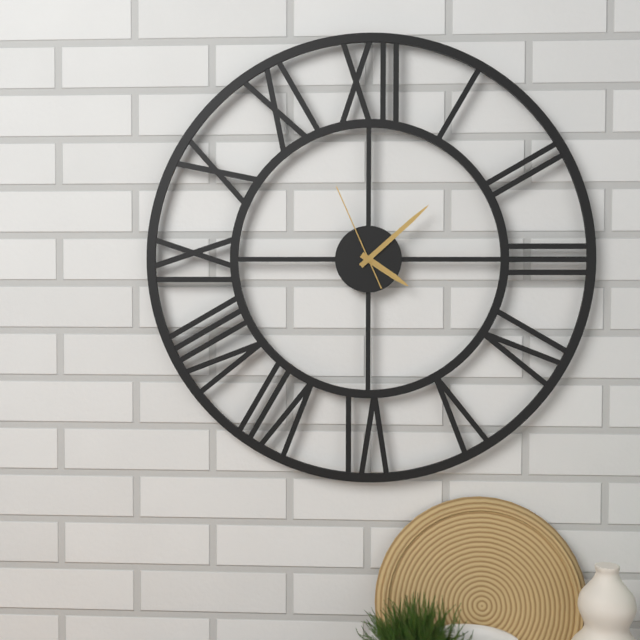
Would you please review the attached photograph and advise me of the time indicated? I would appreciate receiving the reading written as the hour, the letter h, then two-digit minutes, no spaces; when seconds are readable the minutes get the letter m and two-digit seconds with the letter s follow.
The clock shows 4h08m56s
